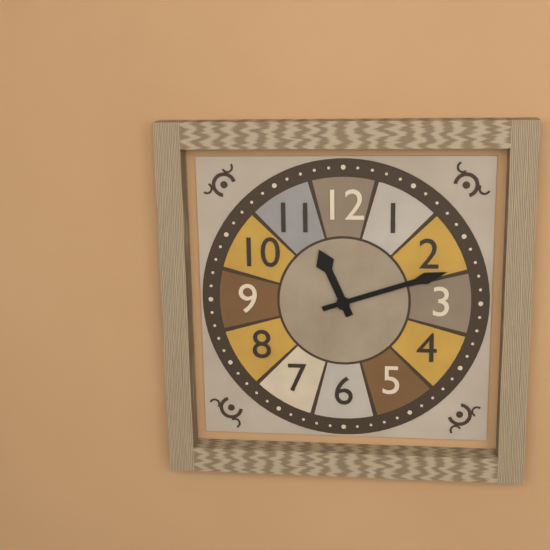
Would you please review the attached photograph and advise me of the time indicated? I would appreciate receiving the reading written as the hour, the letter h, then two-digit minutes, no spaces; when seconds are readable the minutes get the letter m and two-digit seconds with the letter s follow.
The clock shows 11h12
